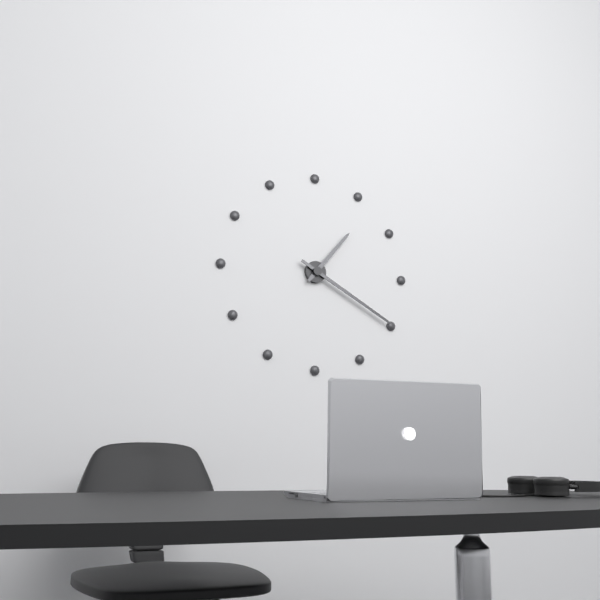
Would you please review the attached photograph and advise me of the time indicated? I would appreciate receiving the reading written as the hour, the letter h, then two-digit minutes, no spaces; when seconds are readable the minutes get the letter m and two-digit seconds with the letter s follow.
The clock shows 1h20
